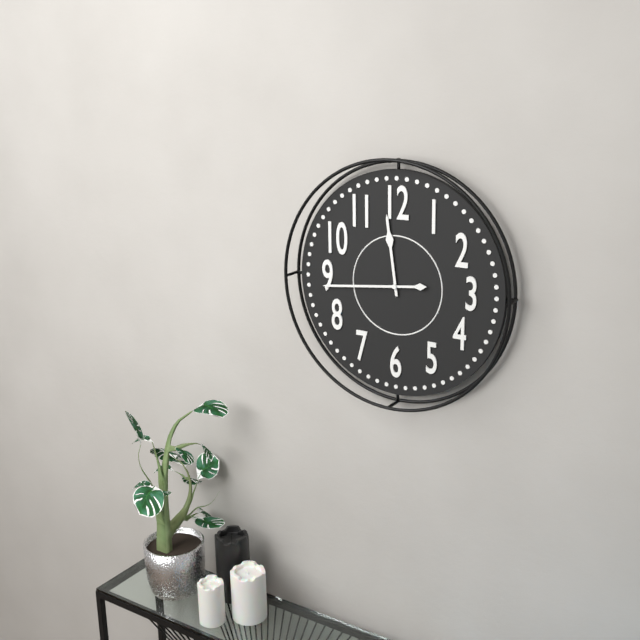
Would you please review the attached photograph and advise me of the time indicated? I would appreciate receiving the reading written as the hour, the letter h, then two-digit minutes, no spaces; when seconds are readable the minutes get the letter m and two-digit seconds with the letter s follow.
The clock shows 11h44
